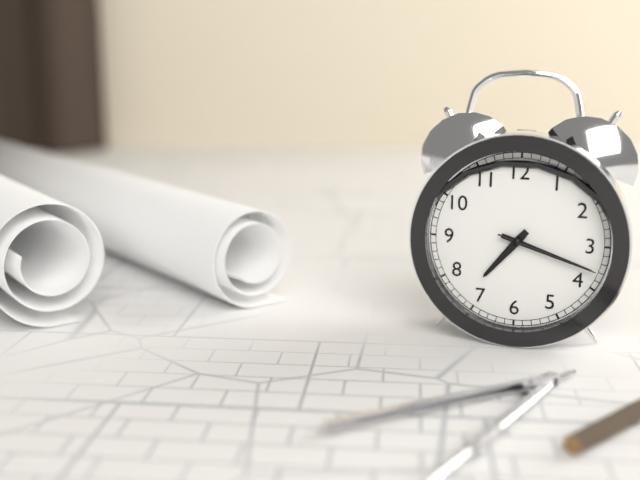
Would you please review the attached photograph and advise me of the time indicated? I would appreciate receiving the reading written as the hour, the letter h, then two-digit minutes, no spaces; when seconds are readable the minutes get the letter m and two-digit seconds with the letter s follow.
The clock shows 7h18m18s
